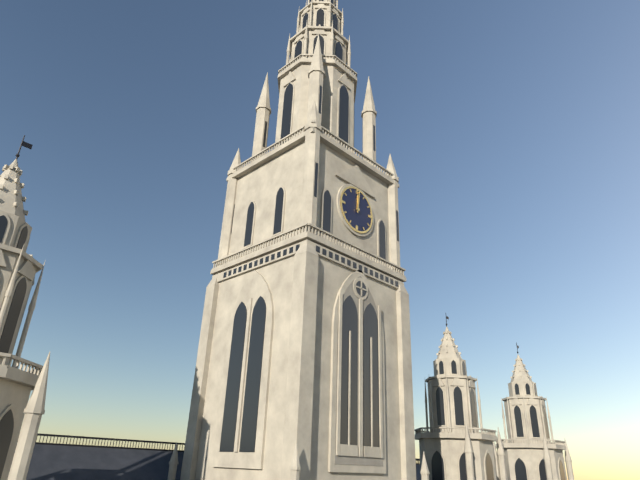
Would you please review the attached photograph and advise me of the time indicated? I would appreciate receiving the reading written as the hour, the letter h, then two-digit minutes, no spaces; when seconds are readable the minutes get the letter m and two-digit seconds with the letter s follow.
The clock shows 12h01
